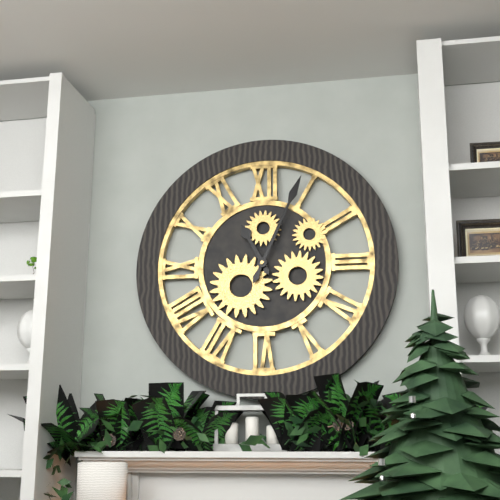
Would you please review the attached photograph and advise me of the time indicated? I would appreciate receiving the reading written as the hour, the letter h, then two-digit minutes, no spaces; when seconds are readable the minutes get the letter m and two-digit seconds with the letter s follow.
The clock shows 11h04
